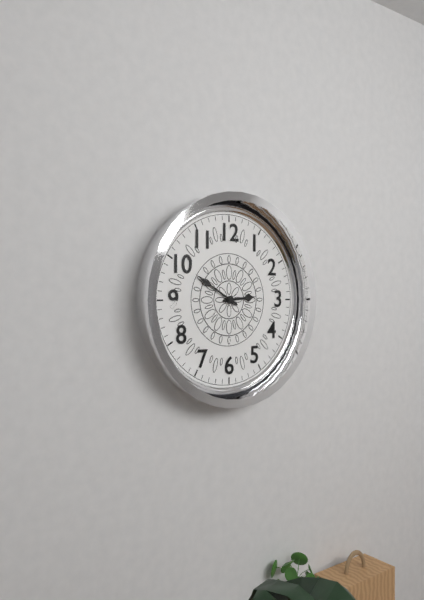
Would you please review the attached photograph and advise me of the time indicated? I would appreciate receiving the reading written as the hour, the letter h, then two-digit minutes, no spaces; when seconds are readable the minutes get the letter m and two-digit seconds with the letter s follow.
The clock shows 2h50
